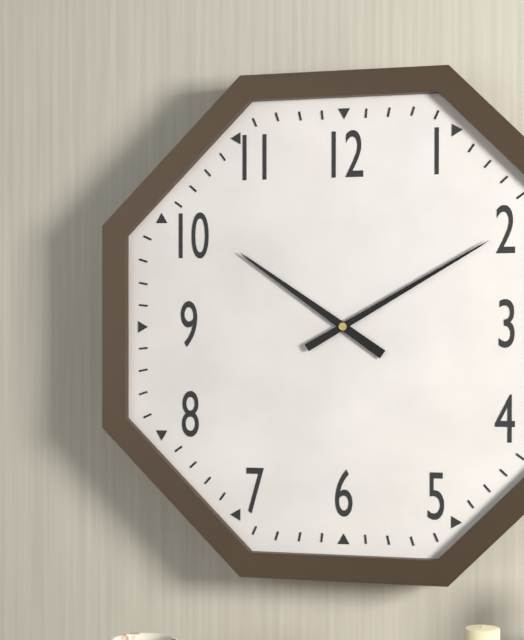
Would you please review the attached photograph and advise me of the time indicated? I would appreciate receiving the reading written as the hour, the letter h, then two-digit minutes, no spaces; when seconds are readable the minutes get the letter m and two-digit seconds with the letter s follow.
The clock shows 10h10
